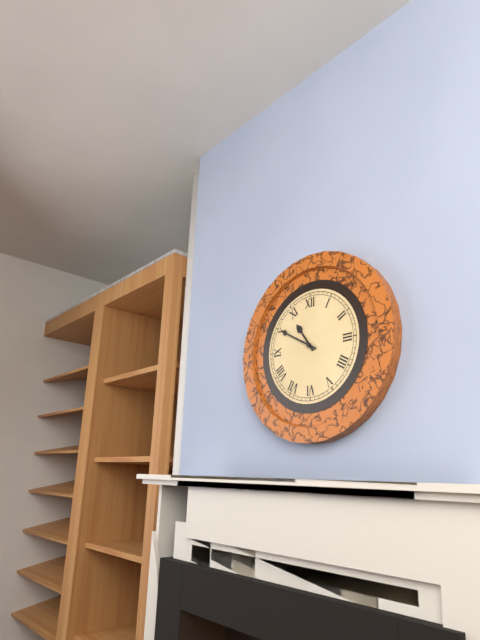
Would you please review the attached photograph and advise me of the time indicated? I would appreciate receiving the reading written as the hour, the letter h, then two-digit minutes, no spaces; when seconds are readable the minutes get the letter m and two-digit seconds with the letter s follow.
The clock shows 10h50
